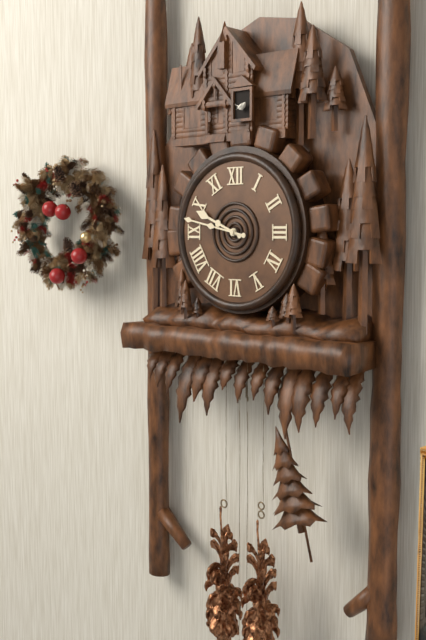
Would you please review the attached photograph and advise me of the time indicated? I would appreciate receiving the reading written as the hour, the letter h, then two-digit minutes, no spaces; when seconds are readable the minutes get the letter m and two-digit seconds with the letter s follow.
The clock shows 9h47
